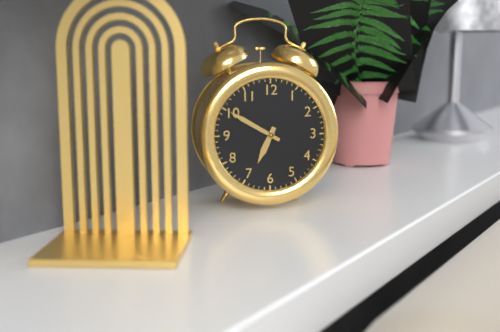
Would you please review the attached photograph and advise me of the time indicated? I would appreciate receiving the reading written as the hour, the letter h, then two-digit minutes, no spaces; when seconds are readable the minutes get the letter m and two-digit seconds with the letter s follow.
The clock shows 6h50
